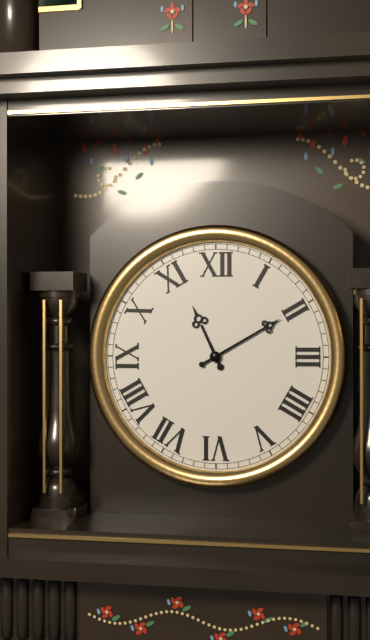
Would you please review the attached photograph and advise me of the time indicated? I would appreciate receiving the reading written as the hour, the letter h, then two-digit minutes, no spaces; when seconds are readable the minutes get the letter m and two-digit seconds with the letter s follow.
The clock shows 11h10
